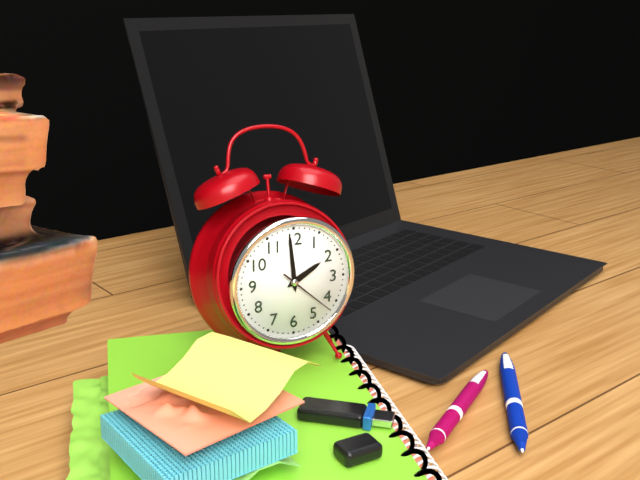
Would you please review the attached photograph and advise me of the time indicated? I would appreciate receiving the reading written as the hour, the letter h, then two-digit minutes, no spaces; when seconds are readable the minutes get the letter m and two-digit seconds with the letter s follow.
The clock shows 1h59m22s
